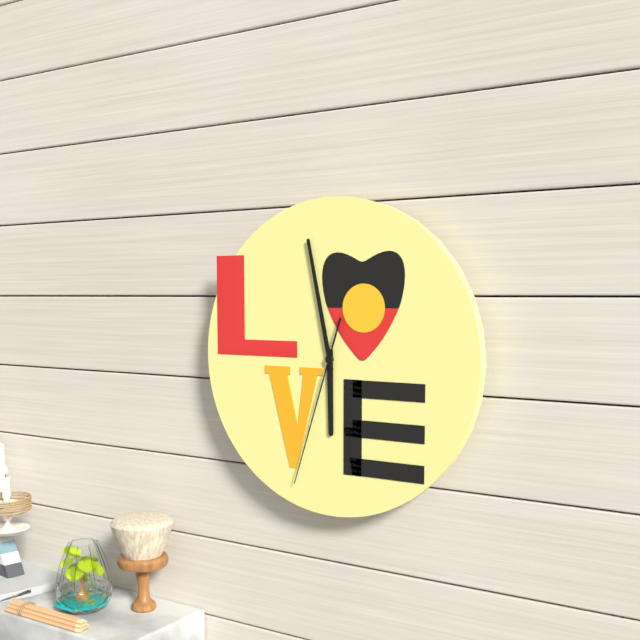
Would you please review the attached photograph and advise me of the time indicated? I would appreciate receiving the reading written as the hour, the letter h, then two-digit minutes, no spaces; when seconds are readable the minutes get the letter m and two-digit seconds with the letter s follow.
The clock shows 5h58m33s
